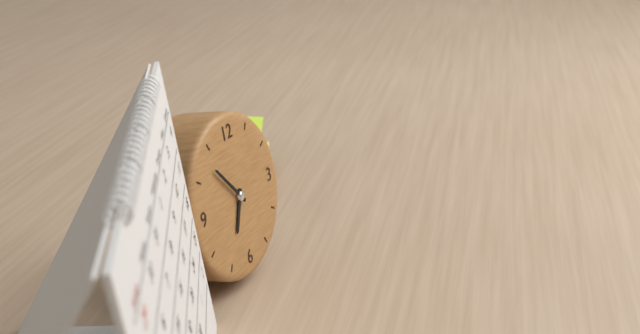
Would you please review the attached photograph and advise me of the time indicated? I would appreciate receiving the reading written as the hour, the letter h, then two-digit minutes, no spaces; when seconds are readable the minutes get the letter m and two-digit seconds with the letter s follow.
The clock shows 6h53
